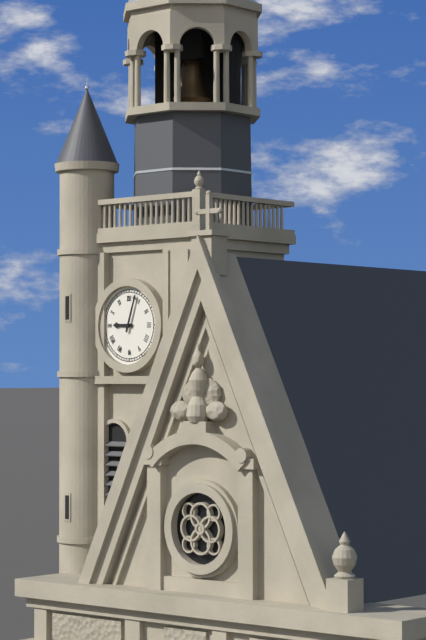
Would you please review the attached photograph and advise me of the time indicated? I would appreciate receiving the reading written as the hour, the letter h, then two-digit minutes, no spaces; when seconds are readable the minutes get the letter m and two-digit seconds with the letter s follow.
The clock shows 9h03
